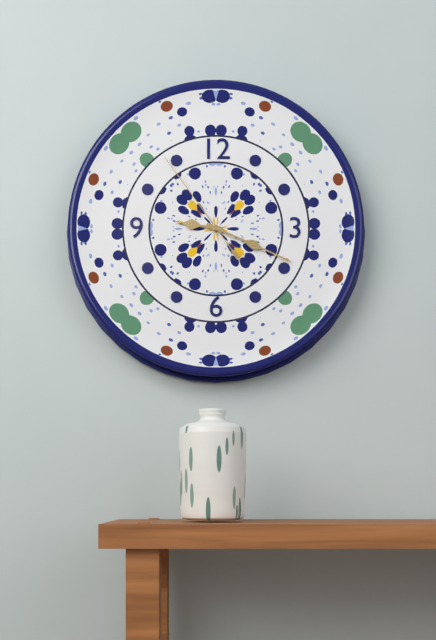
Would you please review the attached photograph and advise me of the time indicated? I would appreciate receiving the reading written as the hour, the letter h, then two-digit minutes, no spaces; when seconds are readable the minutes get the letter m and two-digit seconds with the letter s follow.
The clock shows 9h19m54s
